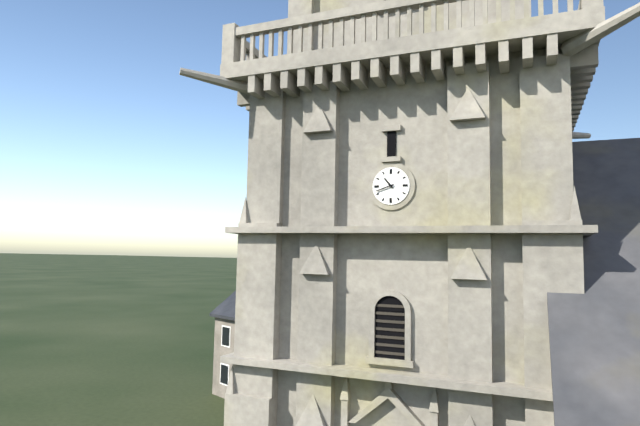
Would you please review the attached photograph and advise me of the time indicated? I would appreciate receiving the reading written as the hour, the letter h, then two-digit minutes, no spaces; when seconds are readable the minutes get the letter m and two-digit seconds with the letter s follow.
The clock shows 10h42
